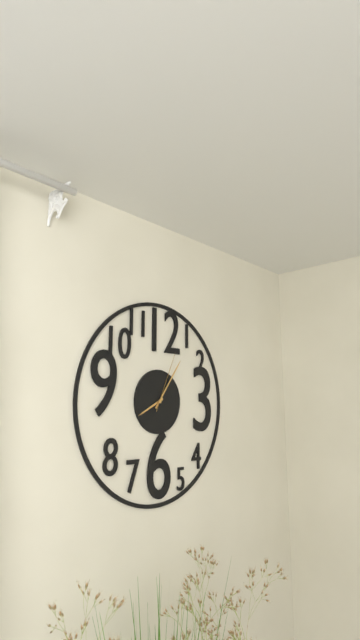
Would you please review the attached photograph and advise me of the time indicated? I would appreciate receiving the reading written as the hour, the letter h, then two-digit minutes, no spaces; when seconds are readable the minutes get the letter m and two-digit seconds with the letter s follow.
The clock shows 8h06m04s
